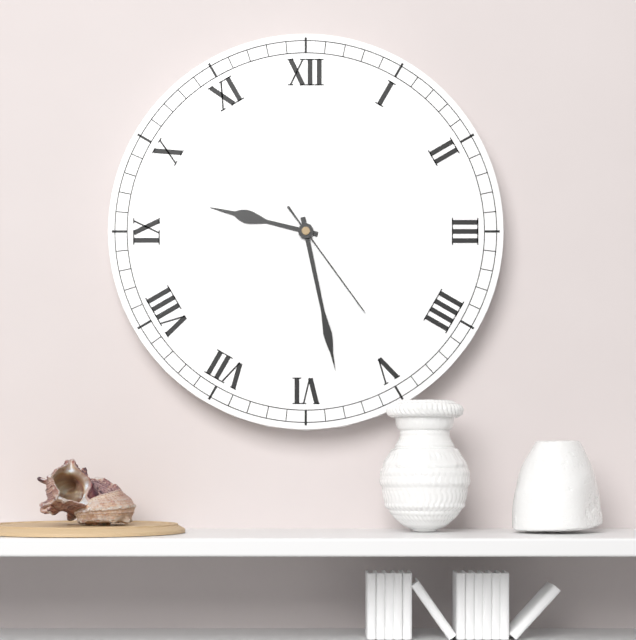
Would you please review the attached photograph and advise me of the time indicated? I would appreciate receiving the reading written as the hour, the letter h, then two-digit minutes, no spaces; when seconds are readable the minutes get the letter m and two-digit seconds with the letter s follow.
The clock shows 9h28m24s
